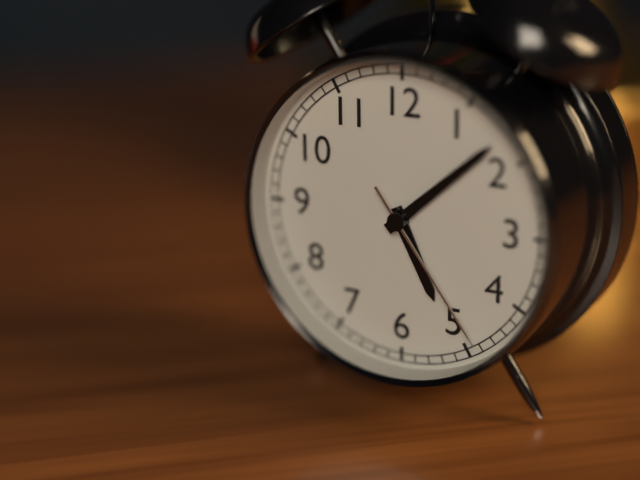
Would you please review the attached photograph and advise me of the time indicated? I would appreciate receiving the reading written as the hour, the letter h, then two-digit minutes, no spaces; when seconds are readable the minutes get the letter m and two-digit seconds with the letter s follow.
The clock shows 5h08m24s
